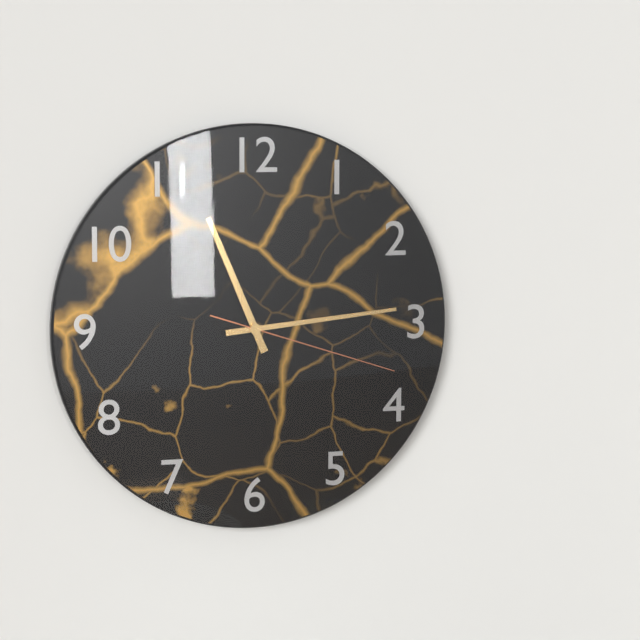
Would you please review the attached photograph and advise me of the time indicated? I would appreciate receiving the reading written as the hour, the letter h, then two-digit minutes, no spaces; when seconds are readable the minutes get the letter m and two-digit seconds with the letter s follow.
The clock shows 11h14m18s
